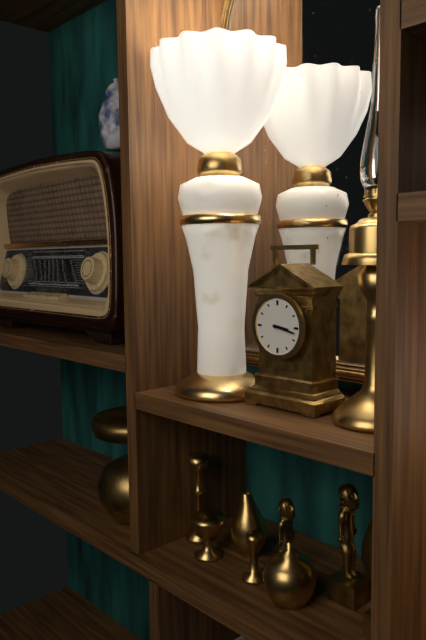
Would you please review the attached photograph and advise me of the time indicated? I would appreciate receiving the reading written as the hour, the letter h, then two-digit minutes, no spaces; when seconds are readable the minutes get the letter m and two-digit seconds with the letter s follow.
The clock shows 3h17
